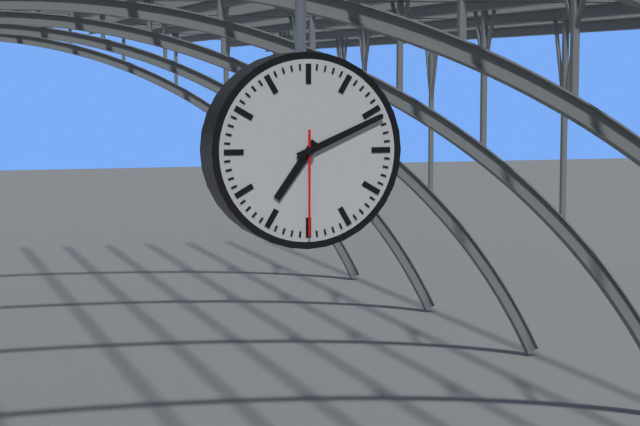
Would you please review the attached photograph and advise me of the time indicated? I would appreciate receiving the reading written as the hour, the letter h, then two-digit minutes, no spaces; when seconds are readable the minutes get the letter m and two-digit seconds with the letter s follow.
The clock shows 7h11m30s
